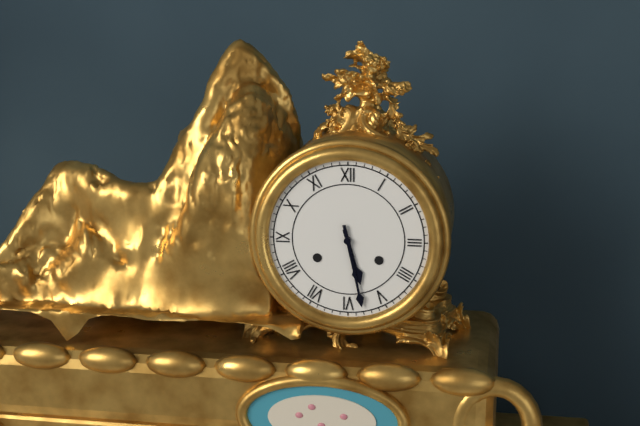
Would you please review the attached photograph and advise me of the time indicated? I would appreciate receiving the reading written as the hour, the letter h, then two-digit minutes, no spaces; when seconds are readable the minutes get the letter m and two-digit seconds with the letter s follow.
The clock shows 5h28
